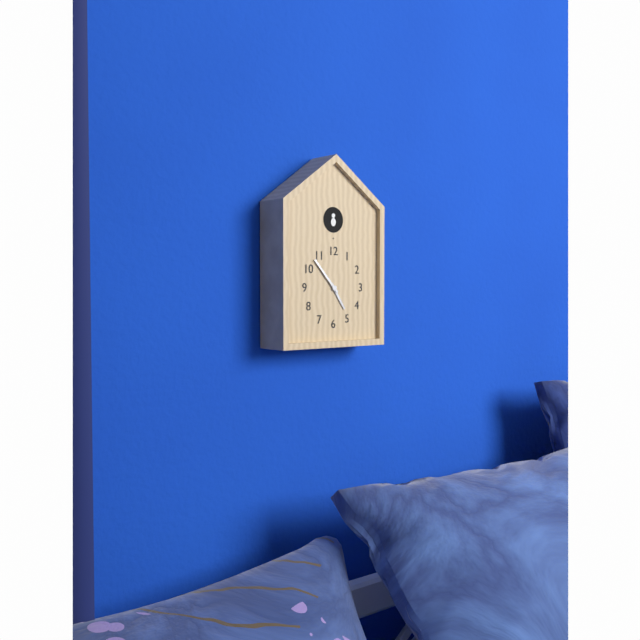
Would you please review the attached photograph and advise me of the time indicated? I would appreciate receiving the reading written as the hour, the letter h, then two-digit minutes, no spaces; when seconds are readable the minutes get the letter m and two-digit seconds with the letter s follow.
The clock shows 4h53
